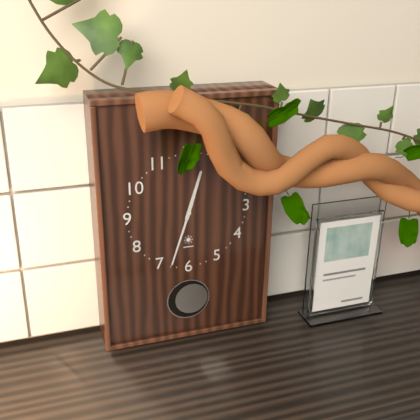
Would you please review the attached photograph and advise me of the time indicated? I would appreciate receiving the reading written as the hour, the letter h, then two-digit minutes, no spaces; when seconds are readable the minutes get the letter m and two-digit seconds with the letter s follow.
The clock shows 12h33
